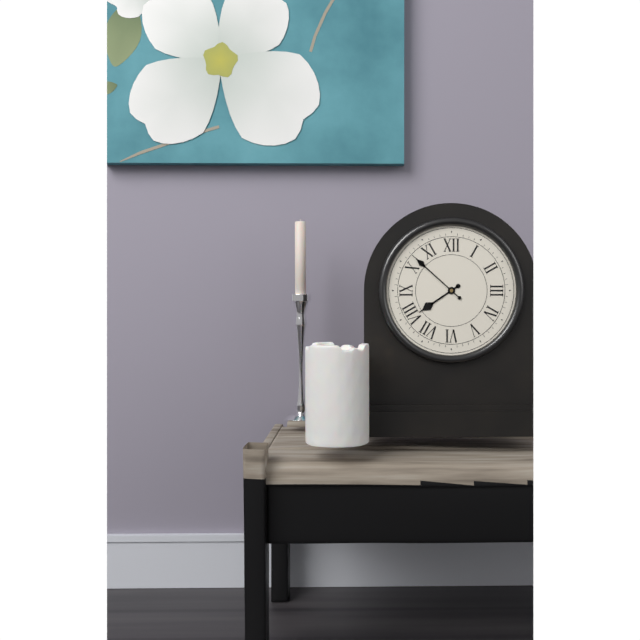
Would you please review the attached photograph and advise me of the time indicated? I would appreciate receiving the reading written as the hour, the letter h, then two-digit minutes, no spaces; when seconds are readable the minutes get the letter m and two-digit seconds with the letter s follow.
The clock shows 7h52
